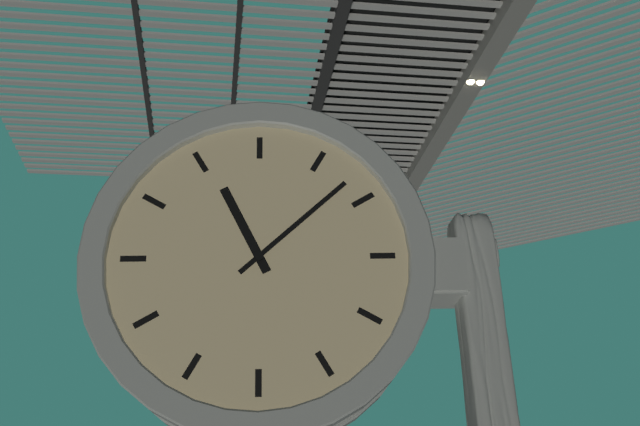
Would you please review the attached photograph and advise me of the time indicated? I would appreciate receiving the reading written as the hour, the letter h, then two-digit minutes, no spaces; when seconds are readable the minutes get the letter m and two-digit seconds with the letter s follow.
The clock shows 11h08
